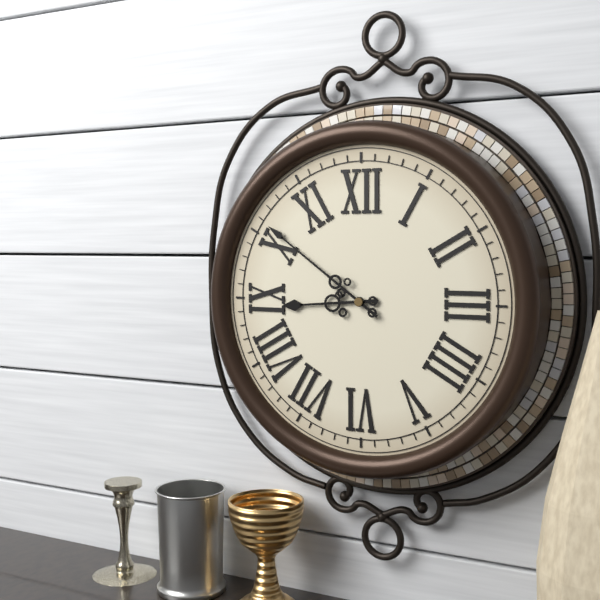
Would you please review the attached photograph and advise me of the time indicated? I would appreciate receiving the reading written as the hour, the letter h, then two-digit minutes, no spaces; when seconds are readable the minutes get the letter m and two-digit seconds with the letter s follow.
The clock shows 8h51
